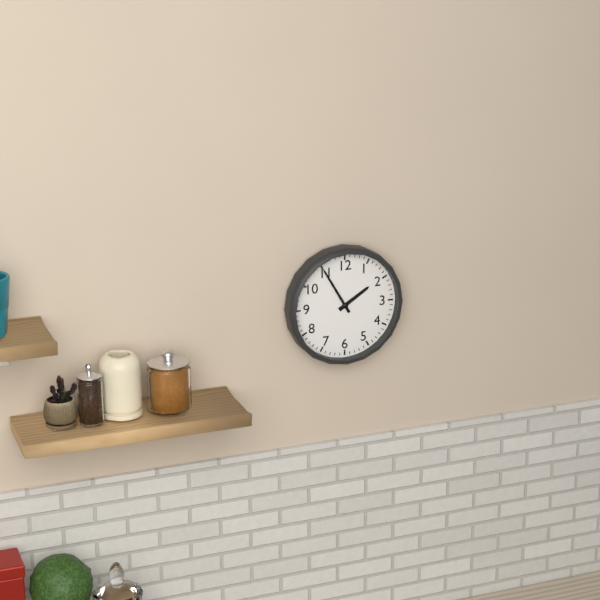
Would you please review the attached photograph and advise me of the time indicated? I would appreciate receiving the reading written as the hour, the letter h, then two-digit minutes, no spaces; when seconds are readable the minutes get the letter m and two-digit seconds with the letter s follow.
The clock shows 1h55
